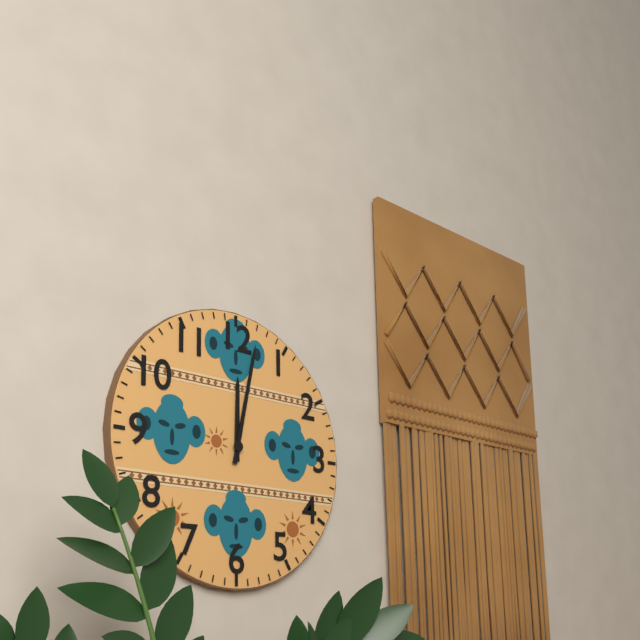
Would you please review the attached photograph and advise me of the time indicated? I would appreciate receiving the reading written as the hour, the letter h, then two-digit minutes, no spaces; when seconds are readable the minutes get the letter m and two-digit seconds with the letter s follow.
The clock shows 12h02
